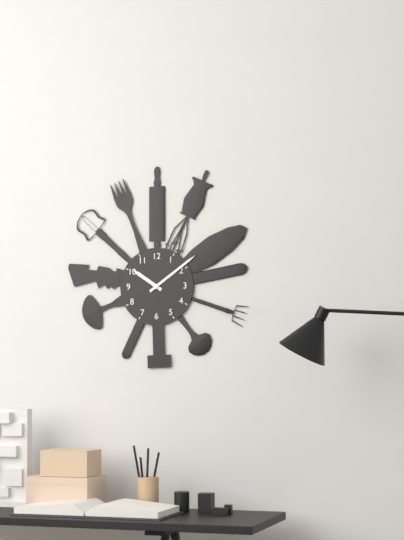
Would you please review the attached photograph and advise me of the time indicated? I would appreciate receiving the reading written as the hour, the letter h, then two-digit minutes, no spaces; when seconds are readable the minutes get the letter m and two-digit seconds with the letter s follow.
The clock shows 10h09
